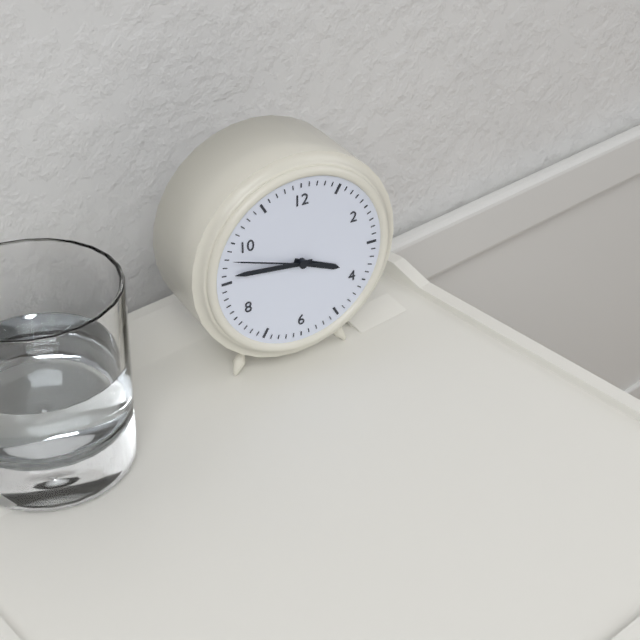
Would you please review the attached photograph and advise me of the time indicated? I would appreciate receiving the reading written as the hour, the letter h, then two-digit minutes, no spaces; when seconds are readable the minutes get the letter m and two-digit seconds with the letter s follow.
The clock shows 3h46m48s
